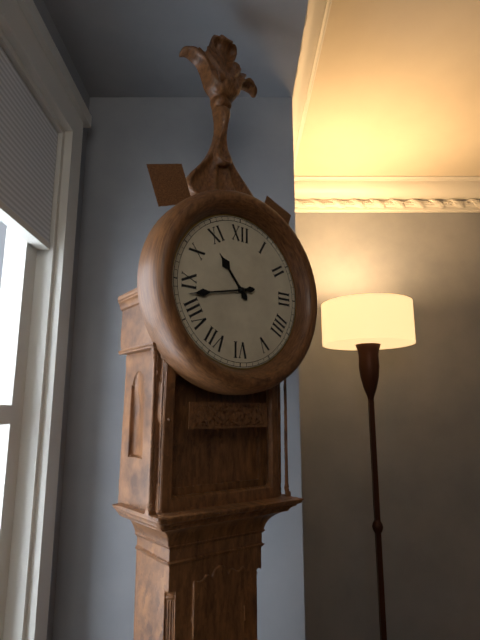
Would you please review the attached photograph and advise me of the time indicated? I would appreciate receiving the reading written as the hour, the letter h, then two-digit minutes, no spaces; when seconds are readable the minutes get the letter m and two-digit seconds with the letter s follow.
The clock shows 10h43
